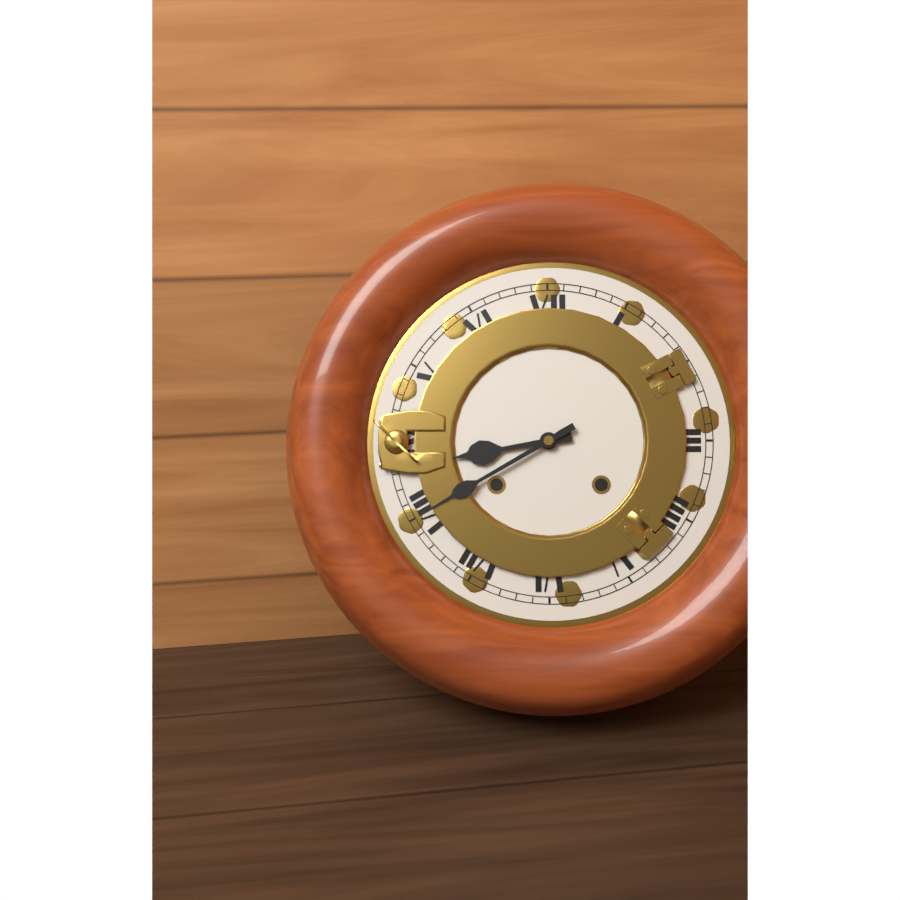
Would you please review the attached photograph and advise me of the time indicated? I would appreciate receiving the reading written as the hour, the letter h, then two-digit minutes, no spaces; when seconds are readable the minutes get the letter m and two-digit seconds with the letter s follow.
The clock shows 8h40
